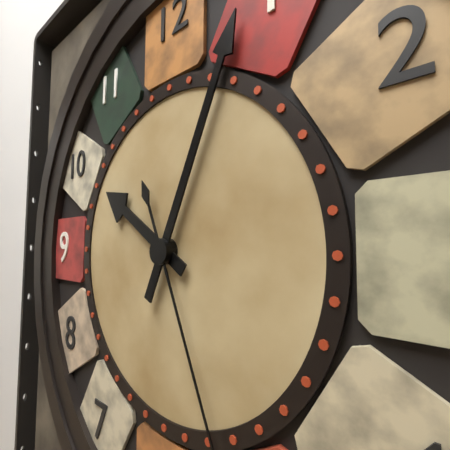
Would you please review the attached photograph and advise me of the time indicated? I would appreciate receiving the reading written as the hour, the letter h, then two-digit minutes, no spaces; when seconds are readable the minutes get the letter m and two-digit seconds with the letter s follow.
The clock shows 10h04
